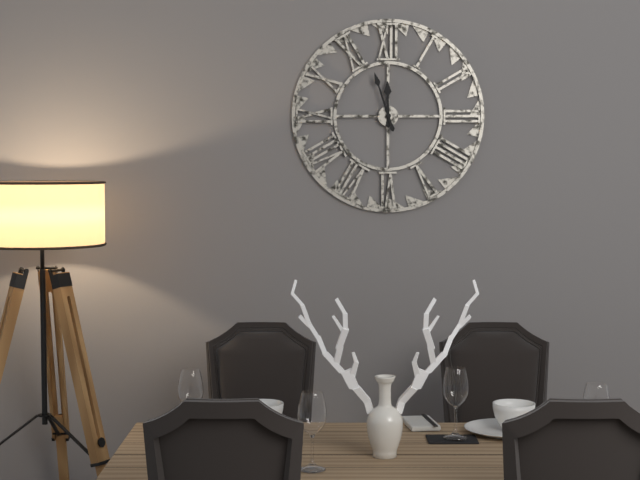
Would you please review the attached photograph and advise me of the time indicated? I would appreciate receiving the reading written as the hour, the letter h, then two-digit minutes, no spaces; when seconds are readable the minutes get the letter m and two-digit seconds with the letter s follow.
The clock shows 11h57
